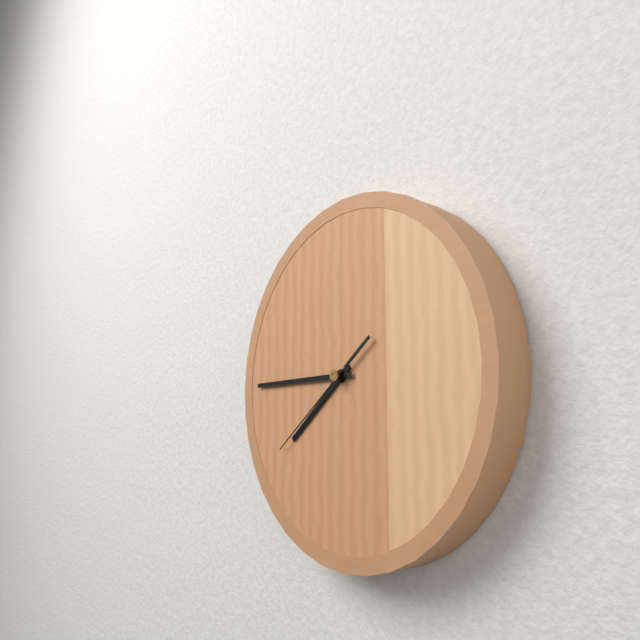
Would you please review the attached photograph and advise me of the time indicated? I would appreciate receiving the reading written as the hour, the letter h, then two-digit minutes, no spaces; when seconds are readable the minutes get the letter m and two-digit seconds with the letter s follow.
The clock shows 7h45m39s
